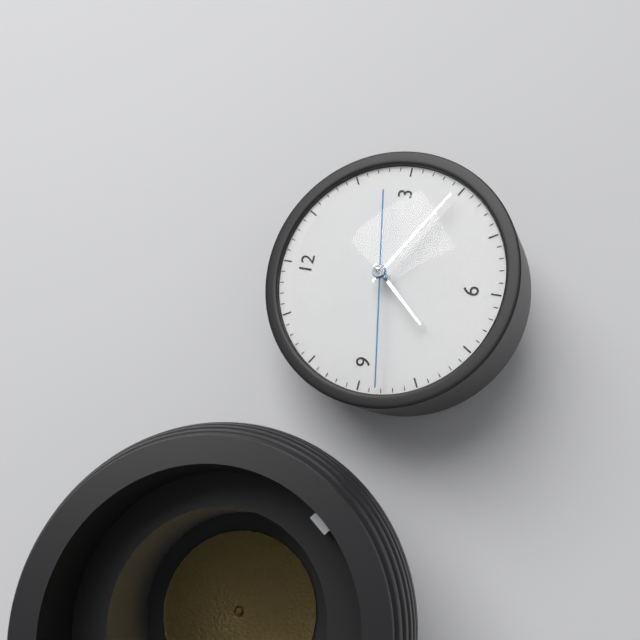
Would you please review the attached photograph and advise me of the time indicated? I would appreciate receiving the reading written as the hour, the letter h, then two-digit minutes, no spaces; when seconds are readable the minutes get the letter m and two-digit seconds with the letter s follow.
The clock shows 7h20m43s
